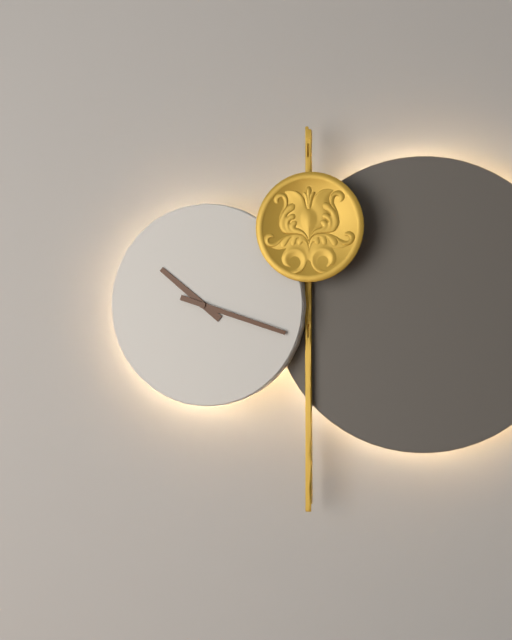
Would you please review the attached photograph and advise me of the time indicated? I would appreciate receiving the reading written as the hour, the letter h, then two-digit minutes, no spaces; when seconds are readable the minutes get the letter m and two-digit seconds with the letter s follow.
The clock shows 10h18
